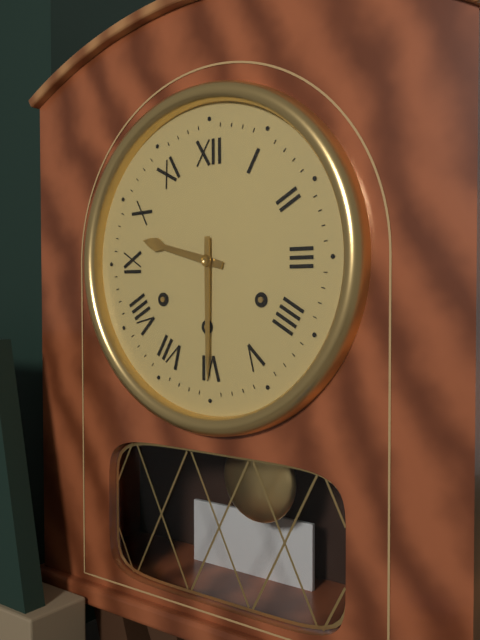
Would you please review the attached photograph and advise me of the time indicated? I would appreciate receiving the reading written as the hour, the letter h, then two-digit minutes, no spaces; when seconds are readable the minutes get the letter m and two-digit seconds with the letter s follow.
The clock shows 9h30
